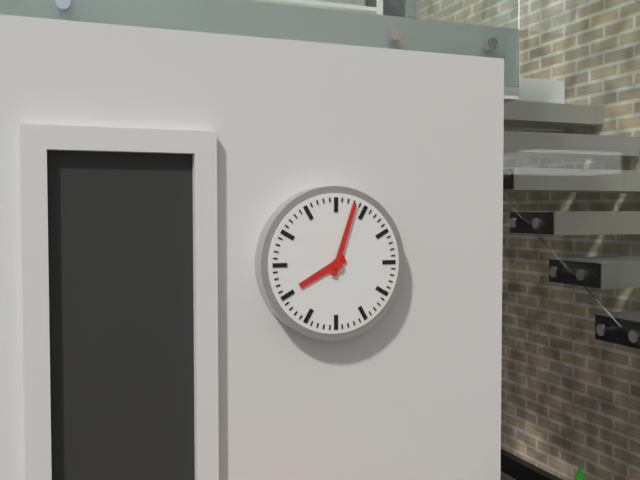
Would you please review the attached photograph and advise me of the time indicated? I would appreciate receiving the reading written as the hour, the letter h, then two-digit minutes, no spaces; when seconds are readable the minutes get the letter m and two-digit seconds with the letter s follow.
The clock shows 8h03
